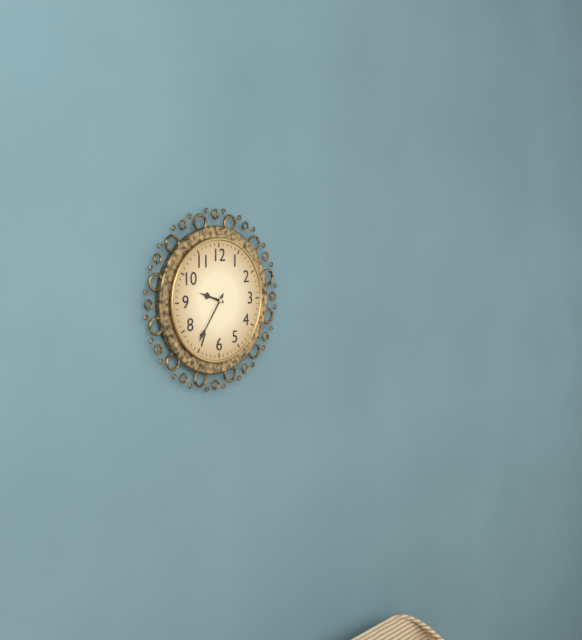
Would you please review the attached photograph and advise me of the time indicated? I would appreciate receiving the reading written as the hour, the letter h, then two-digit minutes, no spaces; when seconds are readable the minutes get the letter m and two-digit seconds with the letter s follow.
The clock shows 9h36
